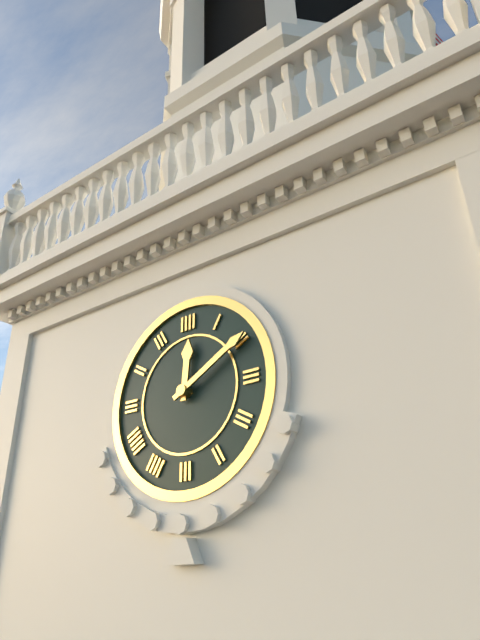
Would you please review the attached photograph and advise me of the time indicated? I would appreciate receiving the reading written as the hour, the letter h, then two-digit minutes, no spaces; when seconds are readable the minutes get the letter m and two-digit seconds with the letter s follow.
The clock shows 12h10
